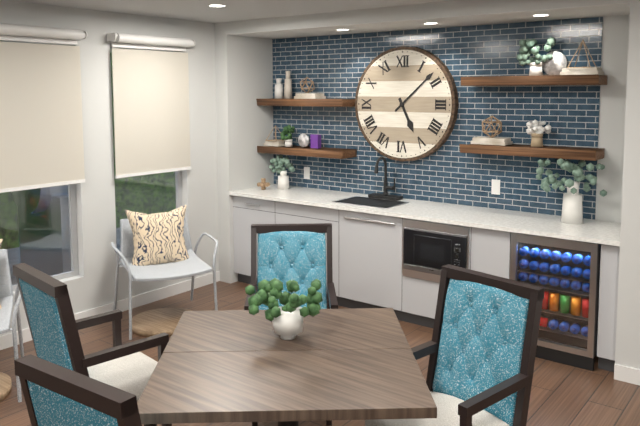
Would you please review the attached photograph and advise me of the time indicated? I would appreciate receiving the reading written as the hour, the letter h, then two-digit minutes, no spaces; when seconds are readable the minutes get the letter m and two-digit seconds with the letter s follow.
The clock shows 5h08
